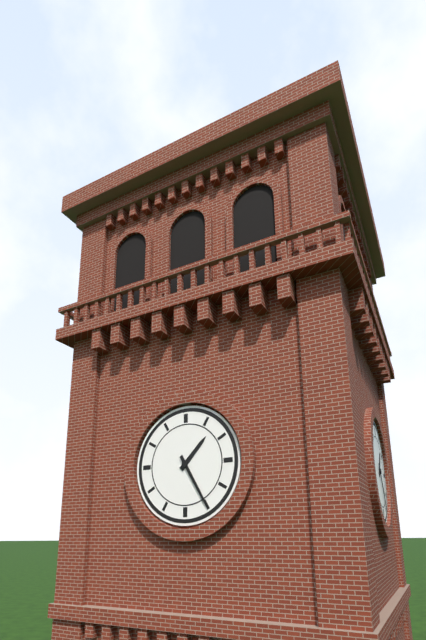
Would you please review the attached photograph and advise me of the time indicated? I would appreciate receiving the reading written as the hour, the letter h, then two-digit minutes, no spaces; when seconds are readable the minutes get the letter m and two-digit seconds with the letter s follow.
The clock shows 1h25
